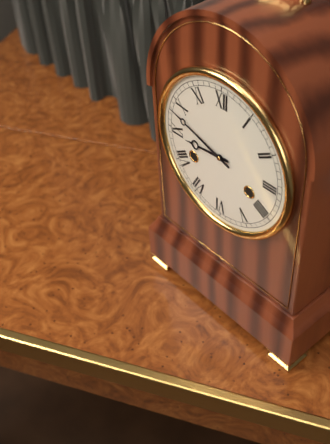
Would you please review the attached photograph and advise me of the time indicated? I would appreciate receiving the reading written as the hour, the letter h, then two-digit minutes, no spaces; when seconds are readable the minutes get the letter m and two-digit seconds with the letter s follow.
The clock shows 8h48
